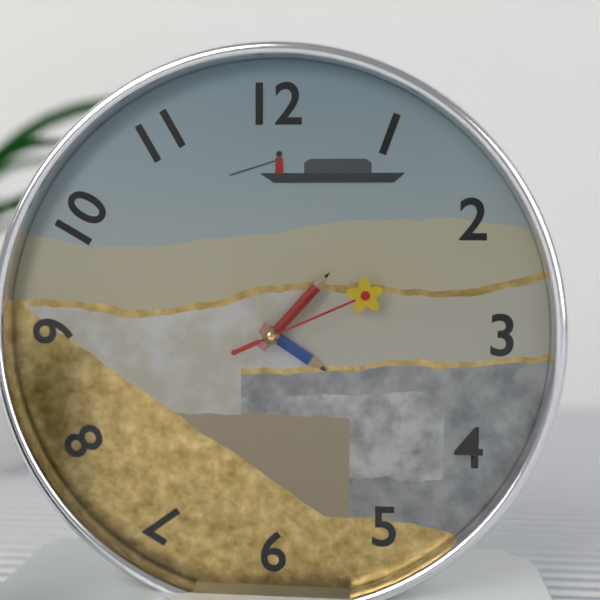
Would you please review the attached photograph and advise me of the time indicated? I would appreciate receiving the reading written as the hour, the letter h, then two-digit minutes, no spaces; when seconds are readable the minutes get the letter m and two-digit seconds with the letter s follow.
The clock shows 4h07m11s
